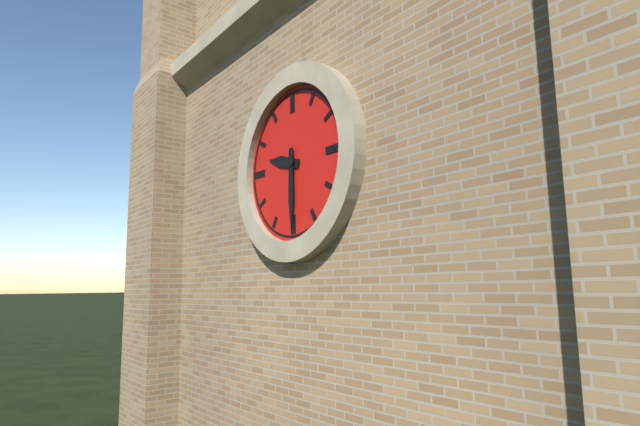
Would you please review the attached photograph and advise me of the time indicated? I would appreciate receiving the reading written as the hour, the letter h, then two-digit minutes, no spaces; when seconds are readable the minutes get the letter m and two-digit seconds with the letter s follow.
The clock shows 9h30
